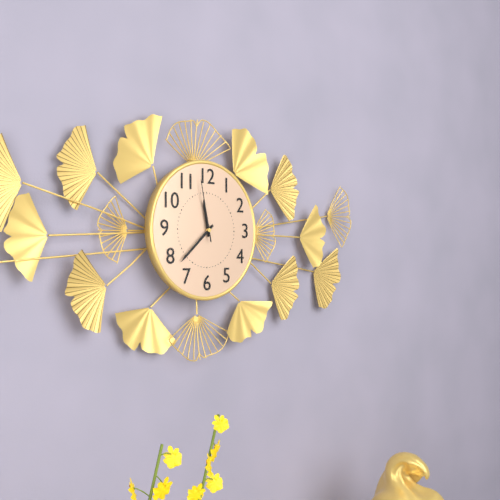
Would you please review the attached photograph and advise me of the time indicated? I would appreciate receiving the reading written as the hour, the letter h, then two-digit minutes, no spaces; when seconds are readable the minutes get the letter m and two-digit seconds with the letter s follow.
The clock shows 11h38m58s
